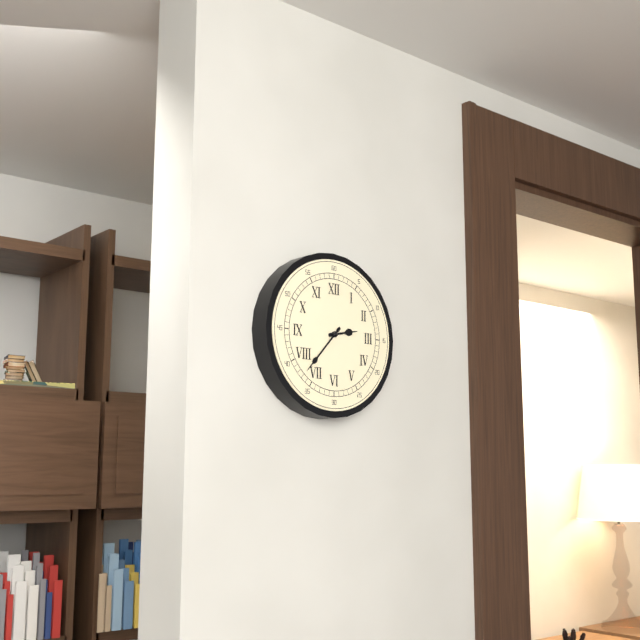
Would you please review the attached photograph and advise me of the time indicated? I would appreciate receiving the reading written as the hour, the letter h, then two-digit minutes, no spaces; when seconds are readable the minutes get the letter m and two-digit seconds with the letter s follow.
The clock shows 2h37
